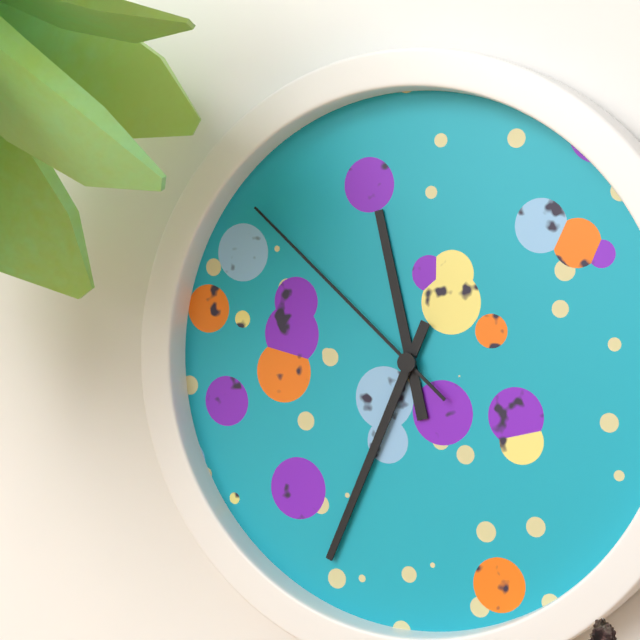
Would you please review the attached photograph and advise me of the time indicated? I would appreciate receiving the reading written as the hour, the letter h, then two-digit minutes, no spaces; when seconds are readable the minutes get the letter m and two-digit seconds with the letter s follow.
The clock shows 11h34m52s
